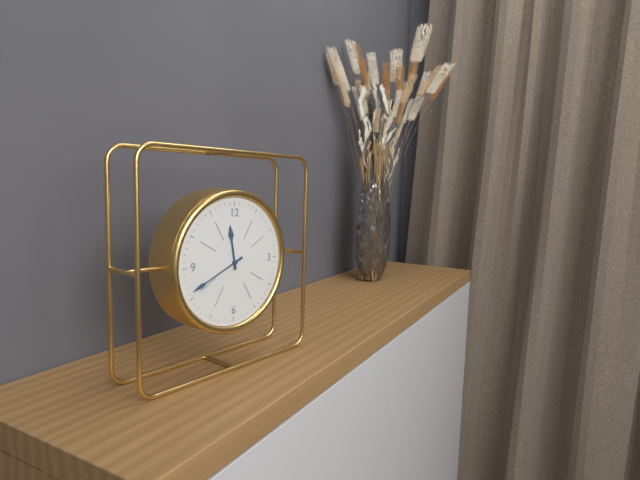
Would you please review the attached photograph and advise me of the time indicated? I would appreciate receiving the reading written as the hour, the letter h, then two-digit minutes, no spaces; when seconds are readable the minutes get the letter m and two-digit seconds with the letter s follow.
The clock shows 11h41
